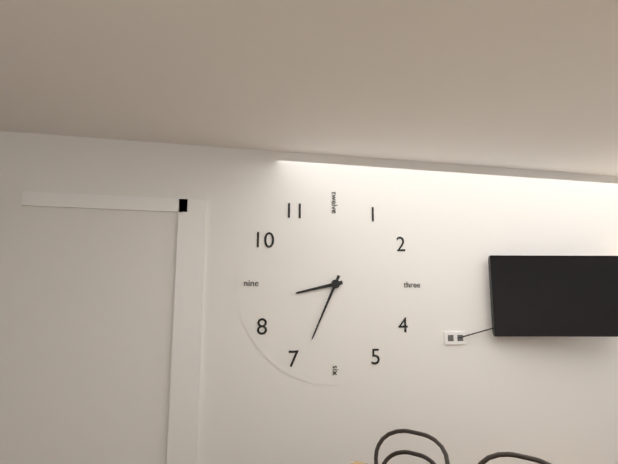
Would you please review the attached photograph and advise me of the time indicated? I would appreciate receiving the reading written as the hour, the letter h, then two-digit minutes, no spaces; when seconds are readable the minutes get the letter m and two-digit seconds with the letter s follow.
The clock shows 8h34
